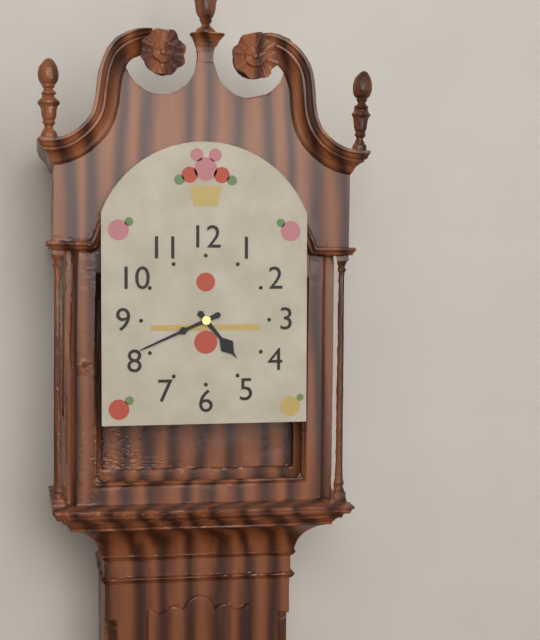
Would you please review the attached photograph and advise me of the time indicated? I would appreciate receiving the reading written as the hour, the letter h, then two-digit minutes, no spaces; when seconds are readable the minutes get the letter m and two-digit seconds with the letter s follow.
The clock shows 4h41
